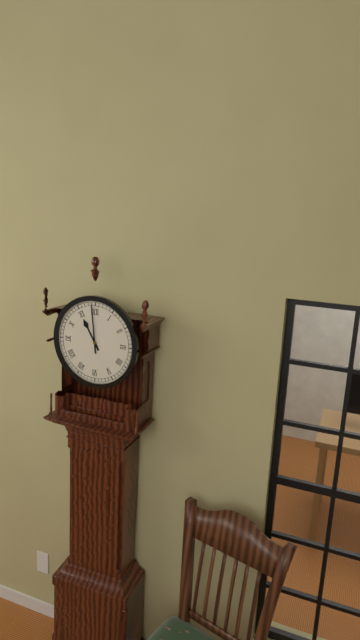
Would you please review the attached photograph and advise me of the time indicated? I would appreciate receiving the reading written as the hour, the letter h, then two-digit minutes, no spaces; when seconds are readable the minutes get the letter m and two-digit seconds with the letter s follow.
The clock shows 10h59
